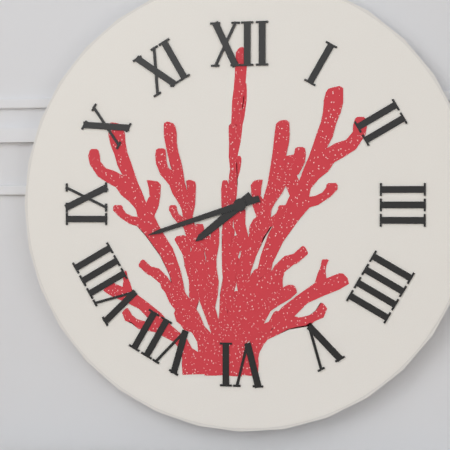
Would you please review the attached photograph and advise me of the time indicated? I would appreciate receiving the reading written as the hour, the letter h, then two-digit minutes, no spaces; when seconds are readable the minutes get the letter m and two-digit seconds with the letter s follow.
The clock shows 7h42
